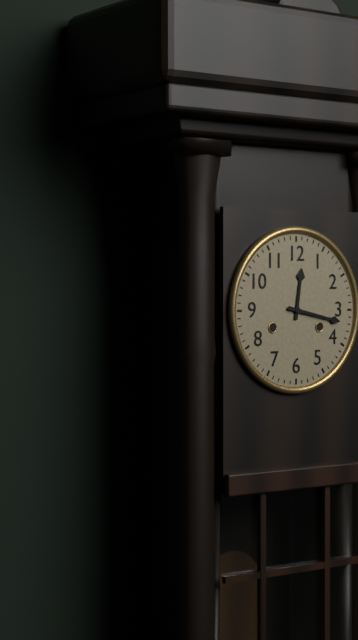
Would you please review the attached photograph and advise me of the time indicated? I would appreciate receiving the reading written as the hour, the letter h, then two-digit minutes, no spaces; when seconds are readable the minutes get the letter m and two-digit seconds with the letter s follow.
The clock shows 12h17
